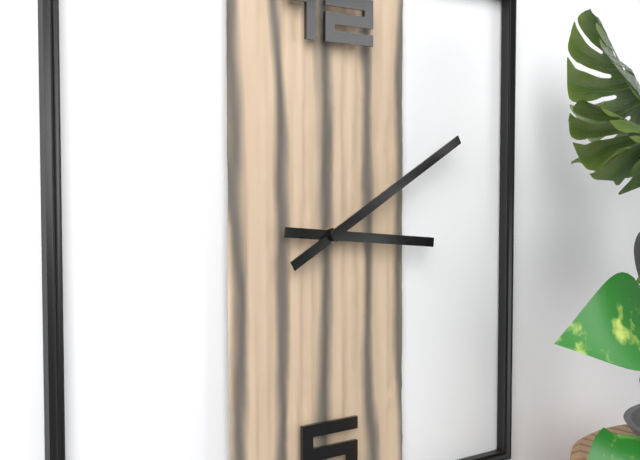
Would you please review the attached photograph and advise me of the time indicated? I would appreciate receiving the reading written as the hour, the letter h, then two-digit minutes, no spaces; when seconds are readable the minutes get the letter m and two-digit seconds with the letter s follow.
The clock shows 3h10
